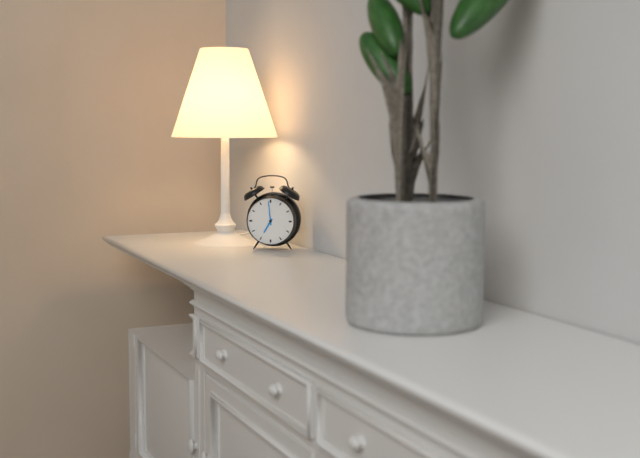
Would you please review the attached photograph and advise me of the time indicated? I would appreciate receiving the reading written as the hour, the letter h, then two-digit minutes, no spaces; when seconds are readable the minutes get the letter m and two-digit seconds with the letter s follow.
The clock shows 6h59
